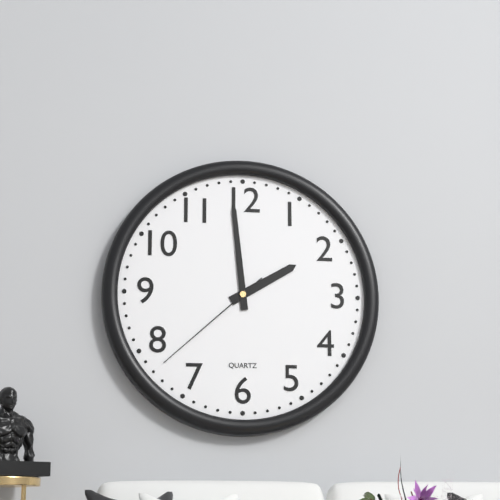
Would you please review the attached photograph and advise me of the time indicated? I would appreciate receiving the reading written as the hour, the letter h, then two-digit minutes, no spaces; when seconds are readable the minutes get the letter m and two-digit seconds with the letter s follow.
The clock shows 1h59m38s
